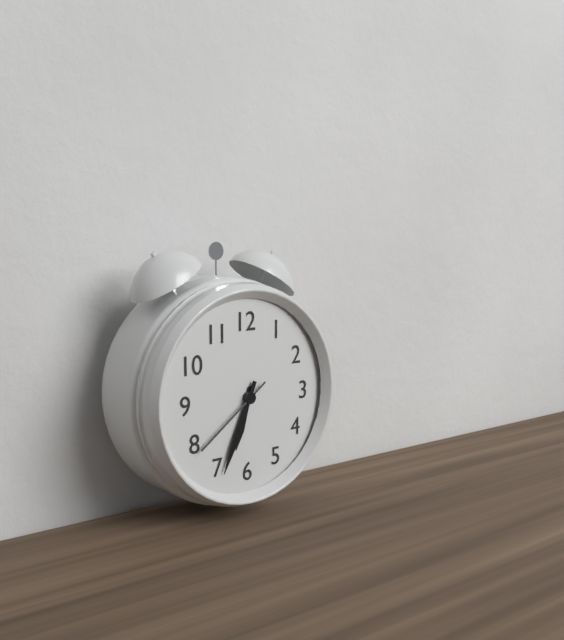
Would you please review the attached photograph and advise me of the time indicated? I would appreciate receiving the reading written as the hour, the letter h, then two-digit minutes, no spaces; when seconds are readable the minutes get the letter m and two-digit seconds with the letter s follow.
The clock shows 6h34m39s
